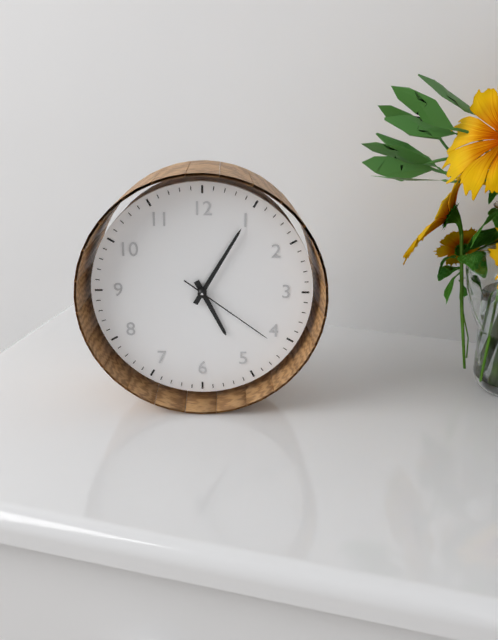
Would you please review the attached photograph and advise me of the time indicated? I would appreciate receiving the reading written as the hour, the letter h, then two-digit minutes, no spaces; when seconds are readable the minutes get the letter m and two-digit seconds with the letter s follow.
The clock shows 5h05m21s
